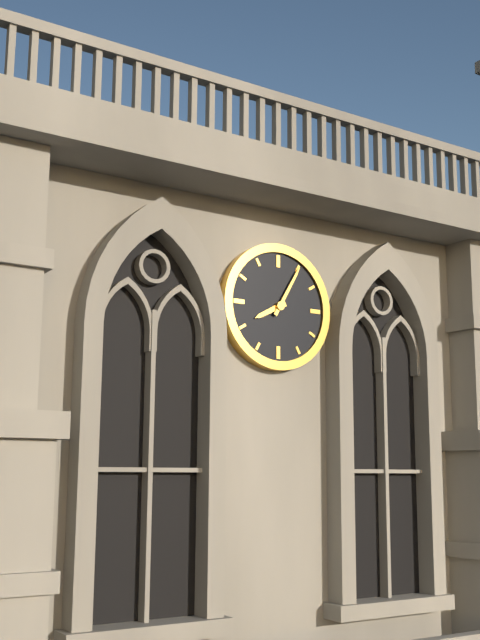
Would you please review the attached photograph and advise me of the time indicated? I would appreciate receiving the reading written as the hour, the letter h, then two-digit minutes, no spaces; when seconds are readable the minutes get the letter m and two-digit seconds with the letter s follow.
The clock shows 8h05
